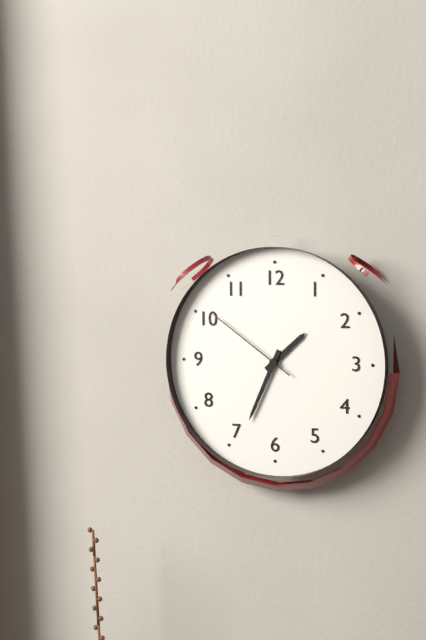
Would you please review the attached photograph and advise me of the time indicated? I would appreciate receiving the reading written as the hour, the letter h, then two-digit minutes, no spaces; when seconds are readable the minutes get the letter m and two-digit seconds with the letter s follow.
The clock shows 1h34m51s
